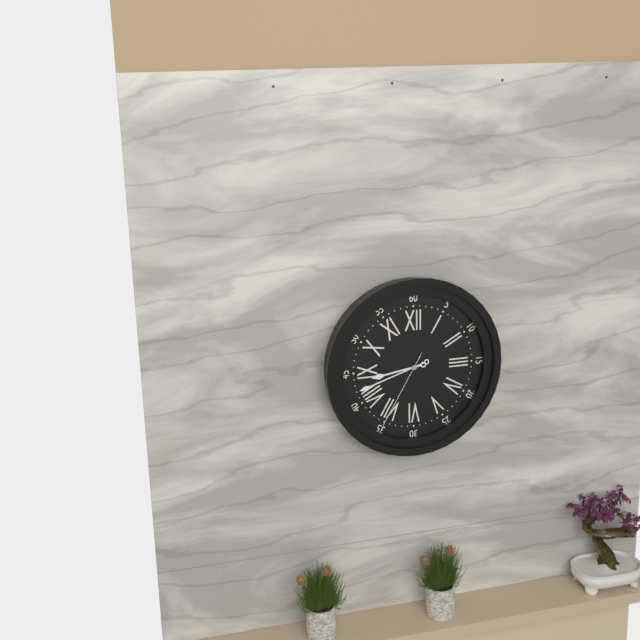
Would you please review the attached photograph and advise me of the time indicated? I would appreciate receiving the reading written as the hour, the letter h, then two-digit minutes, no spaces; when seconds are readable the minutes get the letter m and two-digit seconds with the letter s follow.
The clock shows 8h42m35s
